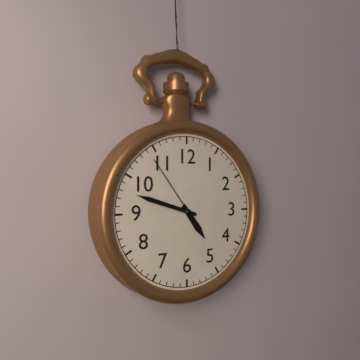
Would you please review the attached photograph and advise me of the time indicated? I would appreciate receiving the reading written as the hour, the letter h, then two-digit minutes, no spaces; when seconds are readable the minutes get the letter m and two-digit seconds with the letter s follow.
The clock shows 4h48m54s
